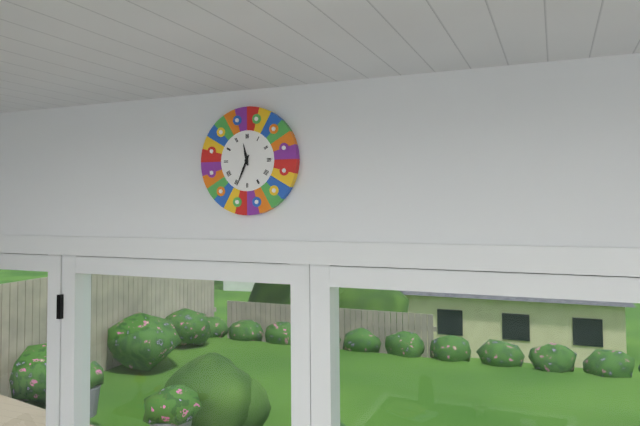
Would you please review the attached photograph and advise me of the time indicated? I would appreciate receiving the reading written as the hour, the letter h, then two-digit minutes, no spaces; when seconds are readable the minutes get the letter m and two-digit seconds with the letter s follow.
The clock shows 11h34
